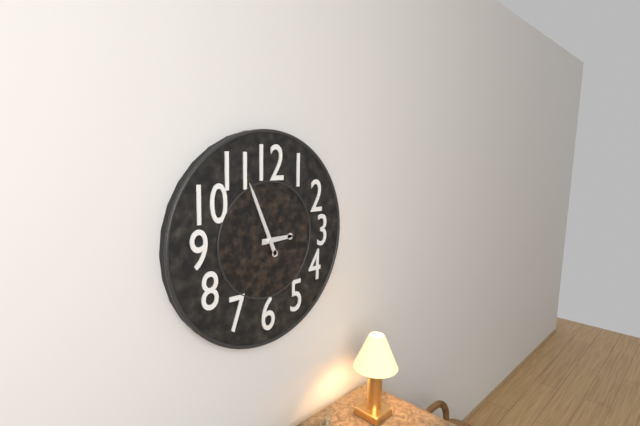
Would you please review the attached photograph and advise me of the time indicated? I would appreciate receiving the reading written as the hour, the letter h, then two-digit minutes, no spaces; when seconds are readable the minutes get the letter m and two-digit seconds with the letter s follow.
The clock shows 2h56
